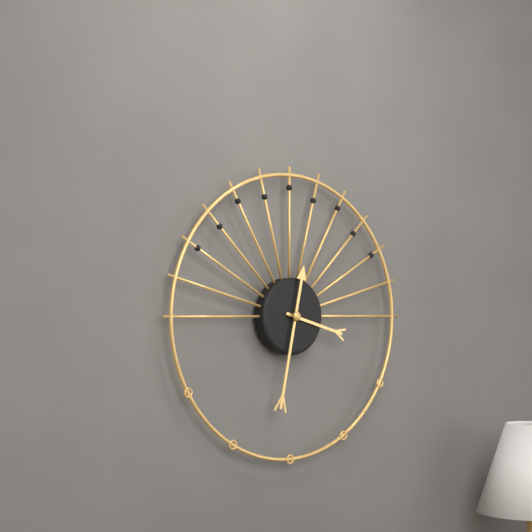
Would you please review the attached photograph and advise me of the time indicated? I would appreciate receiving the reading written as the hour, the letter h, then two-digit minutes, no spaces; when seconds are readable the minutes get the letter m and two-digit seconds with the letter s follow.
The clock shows 3h32
